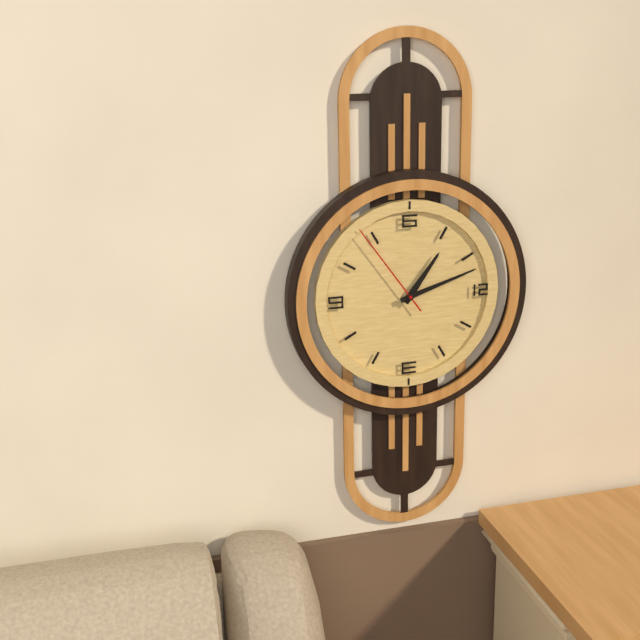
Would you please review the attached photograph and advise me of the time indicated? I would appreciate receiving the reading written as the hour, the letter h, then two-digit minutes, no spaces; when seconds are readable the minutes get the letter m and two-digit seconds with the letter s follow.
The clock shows 1h12m54s
